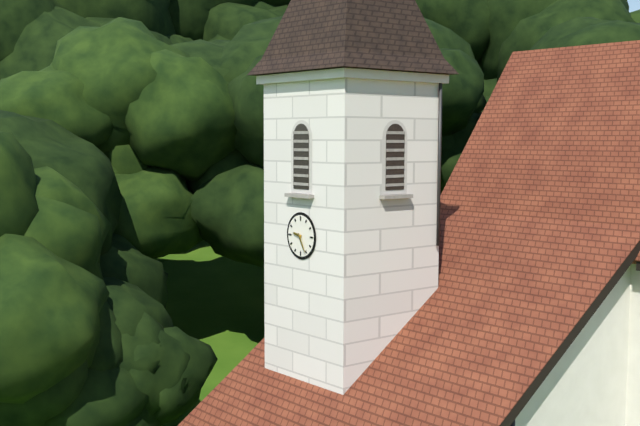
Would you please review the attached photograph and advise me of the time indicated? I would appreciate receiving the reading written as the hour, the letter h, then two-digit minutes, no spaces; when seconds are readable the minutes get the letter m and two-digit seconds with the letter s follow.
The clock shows 9h25
